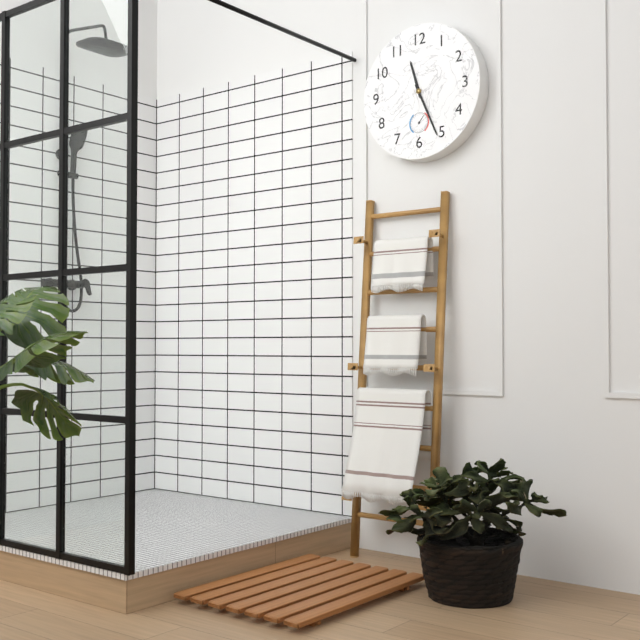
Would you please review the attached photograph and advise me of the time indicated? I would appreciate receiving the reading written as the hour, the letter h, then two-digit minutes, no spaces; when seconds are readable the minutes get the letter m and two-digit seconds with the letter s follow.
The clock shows 11h26
